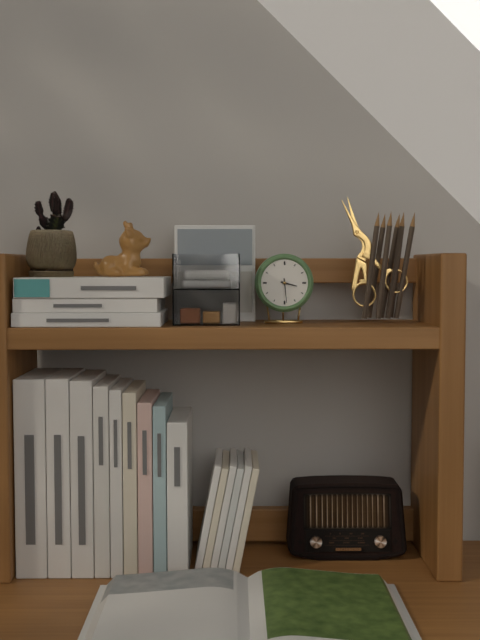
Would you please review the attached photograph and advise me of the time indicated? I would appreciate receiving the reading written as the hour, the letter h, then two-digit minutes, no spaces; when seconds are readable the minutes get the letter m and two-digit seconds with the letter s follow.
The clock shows 3h29
